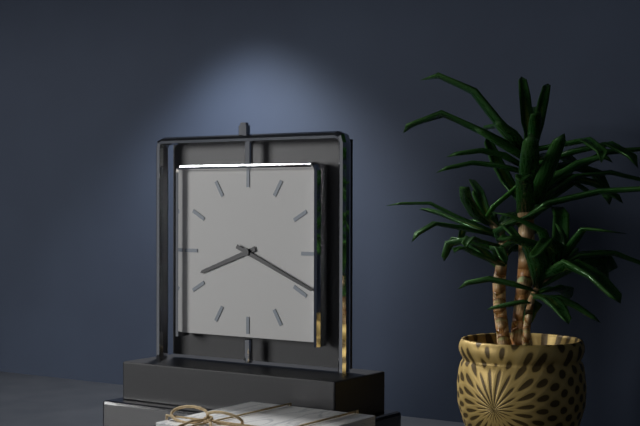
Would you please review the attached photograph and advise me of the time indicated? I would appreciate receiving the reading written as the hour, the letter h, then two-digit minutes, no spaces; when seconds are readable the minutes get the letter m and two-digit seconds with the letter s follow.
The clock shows 8h19
